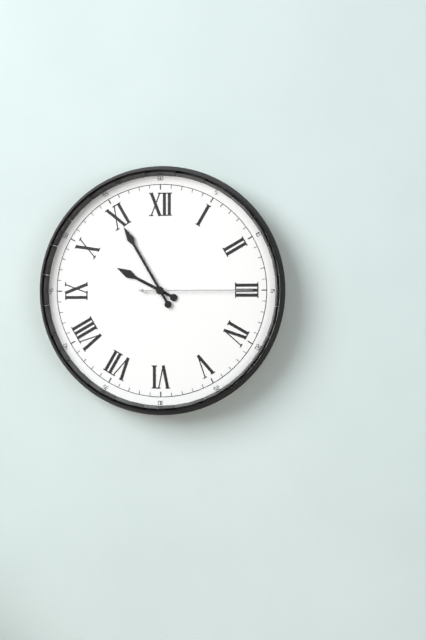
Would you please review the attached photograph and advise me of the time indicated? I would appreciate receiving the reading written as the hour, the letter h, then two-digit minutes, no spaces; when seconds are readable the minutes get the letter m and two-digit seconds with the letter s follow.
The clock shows 9h55m15s
